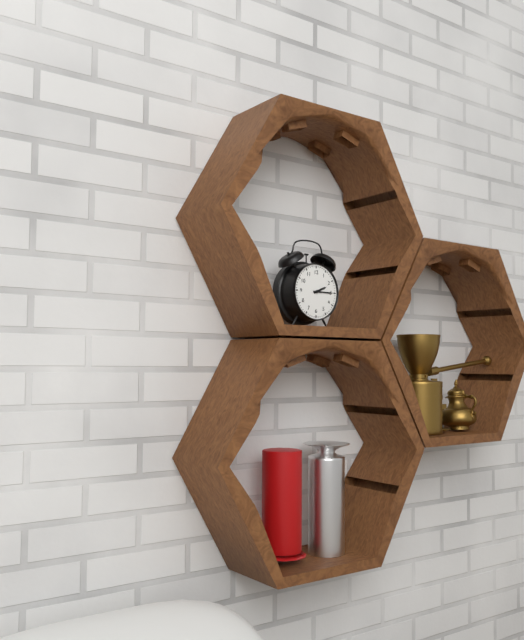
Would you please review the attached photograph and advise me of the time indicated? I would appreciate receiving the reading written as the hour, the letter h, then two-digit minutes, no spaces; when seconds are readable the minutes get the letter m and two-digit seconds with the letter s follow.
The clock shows 2h15
